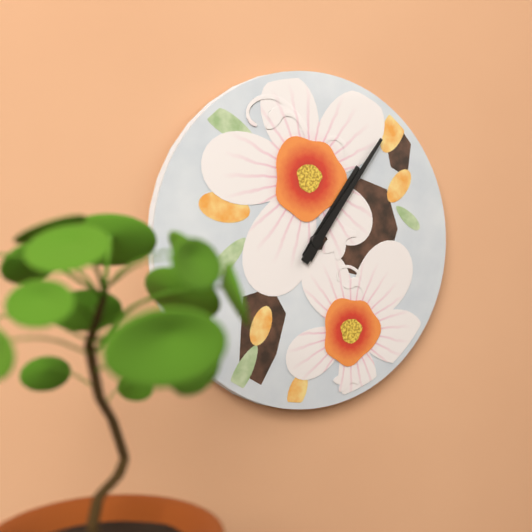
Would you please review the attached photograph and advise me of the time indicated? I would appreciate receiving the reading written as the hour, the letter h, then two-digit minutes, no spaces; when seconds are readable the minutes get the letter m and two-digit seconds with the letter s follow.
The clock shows 1h06
